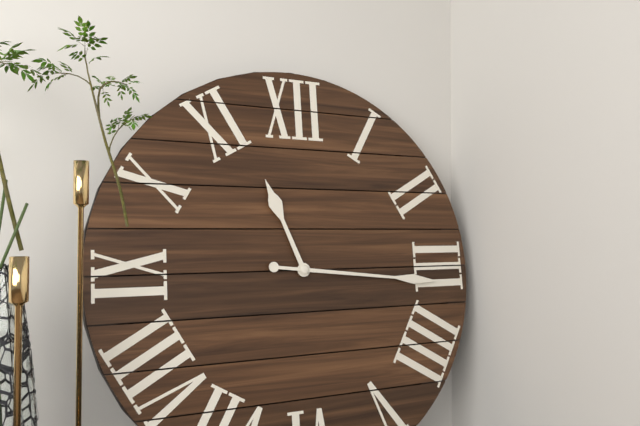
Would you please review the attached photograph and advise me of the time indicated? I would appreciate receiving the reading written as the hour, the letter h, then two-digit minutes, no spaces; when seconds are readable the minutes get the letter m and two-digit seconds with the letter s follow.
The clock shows 11h16
